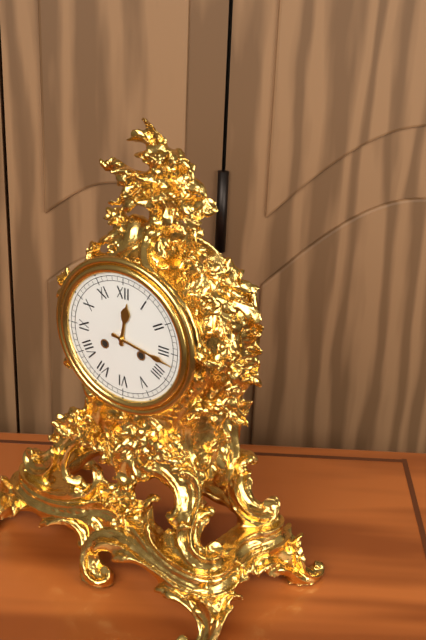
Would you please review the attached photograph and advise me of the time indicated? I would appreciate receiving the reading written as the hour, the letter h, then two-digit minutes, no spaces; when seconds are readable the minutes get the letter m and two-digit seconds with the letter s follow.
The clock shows 12h17
